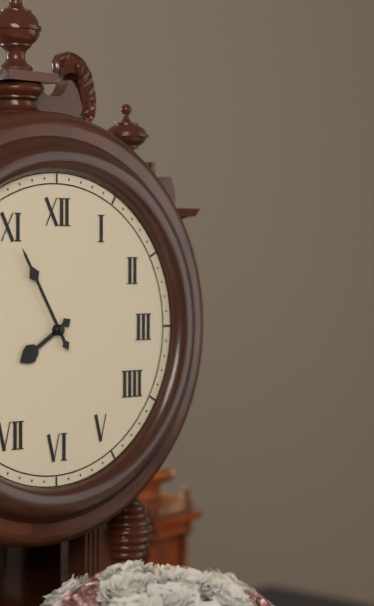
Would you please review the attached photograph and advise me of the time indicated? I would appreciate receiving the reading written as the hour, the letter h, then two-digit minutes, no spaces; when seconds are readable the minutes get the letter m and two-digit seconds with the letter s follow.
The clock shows 7h55
